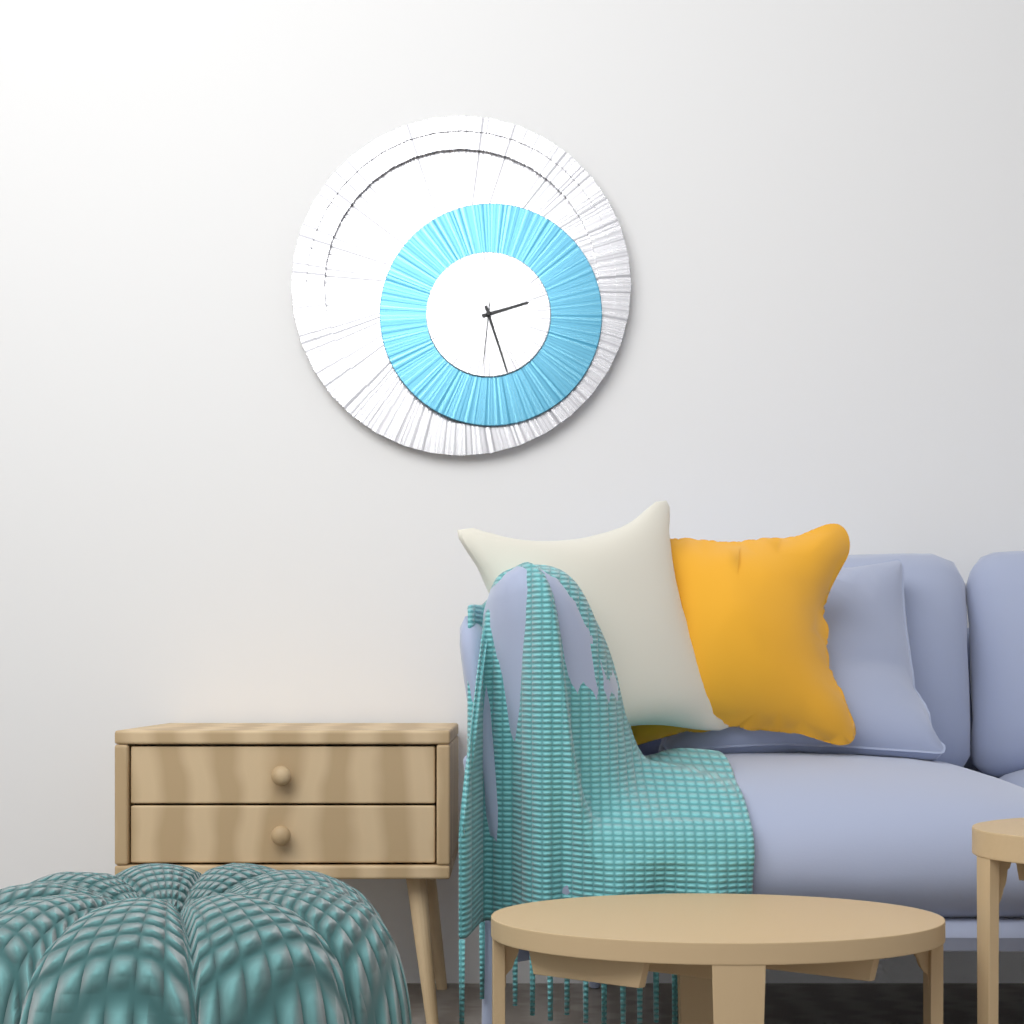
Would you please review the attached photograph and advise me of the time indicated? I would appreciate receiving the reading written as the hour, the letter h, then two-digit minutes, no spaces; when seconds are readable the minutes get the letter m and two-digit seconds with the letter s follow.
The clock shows 2h27m31s
